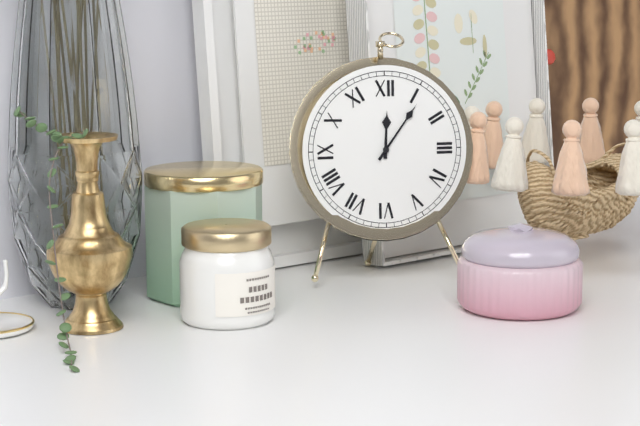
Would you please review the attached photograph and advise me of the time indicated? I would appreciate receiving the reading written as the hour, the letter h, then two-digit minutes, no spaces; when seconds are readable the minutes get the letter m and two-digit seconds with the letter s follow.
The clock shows 12h06
